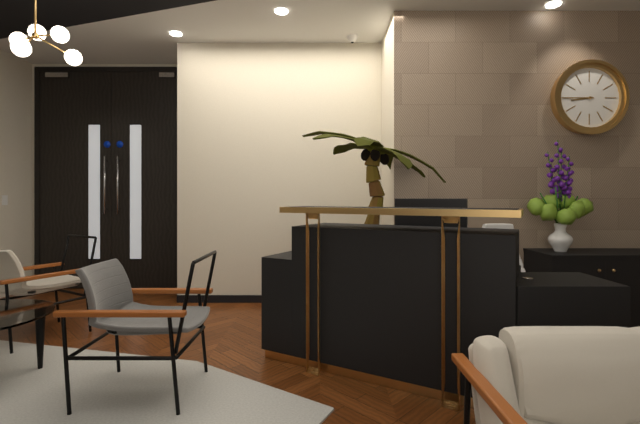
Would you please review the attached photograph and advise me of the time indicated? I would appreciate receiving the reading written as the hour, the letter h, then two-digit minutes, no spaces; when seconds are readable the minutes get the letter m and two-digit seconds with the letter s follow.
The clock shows 8h45
